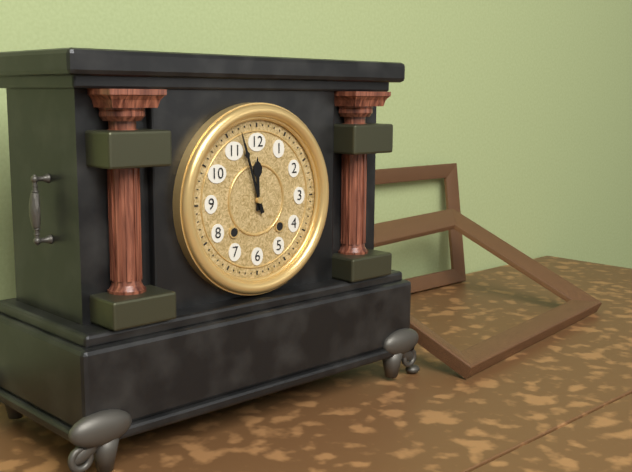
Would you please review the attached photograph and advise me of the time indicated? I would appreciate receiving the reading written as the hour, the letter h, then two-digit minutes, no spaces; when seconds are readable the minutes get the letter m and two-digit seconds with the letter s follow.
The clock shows 11h57
